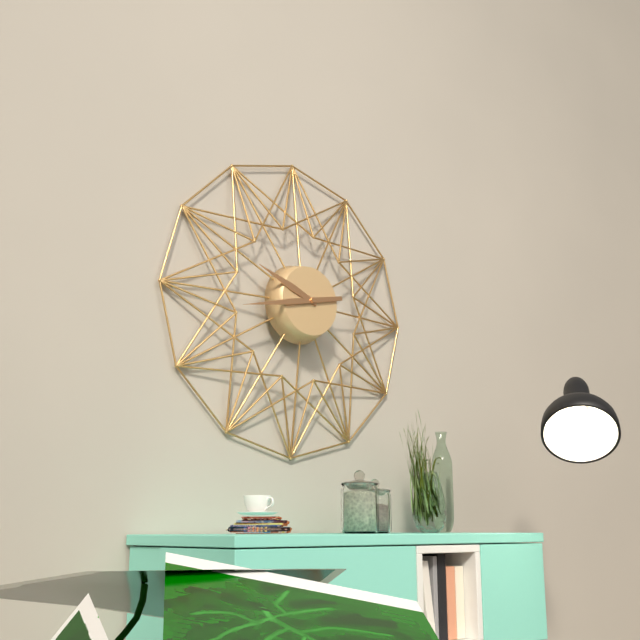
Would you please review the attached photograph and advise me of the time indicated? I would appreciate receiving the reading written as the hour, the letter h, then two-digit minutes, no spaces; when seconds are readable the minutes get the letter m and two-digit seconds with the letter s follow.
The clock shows 9h43
